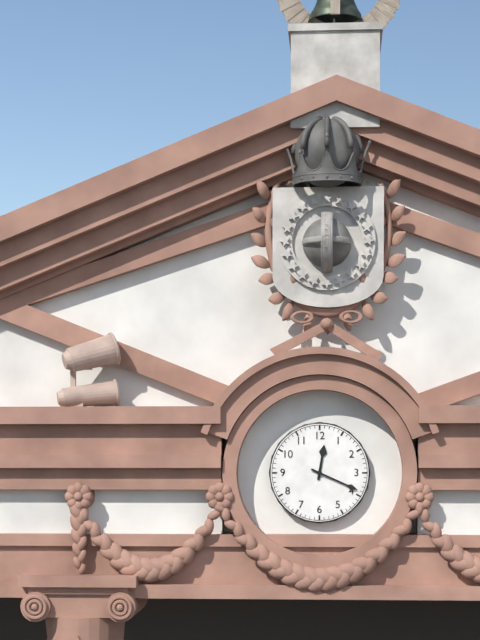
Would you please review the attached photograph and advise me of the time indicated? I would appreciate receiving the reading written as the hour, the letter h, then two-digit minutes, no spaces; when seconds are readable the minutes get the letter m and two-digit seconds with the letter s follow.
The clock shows 12h19
